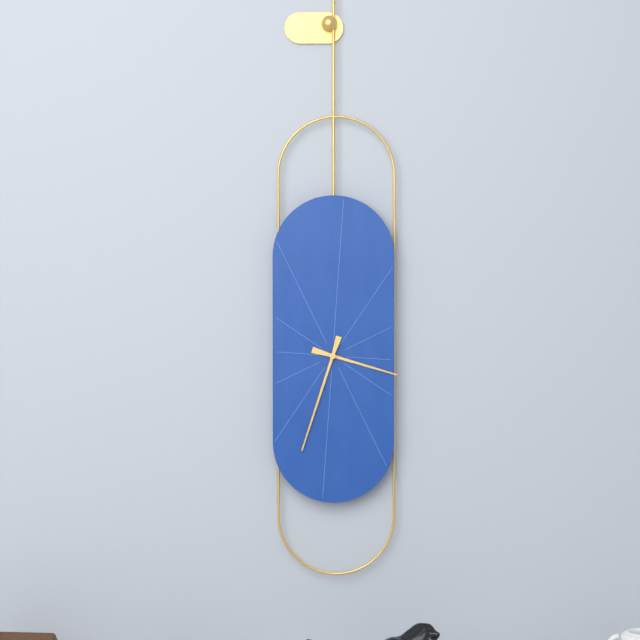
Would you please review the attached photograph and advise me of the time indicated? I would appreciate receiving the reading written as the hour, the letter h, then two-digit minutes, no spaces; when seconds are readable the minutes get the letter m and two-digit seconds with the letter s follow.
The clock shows 3h33
